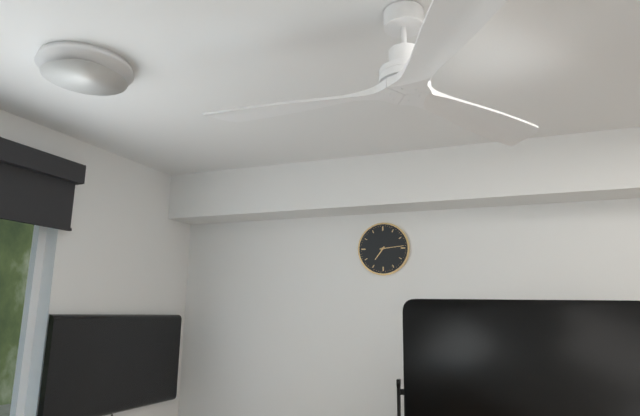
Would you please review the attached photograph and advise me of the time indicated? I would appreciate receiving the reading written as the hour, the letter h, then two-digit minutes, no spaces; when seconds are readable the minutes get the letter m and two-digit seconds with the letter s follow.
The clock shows 7h14
